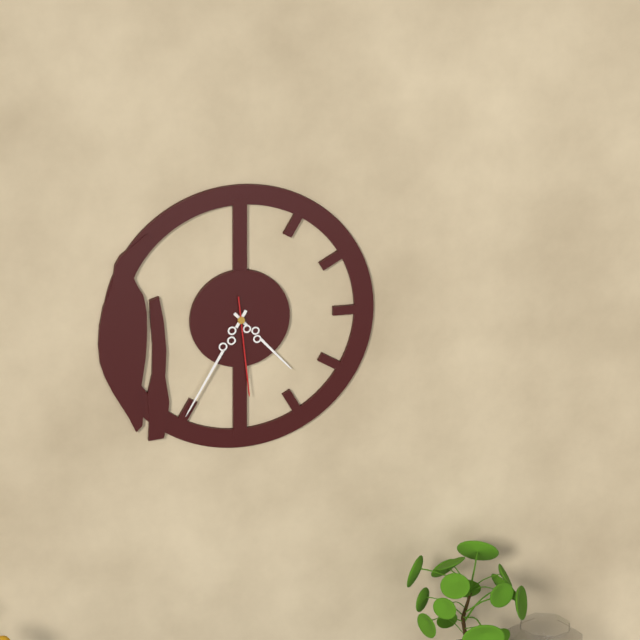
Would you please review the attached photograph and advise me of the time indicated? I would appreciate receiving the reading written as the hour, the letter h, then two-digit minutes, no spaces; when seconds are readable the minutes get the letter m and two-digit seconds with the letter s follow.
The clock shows 4h35m29s
